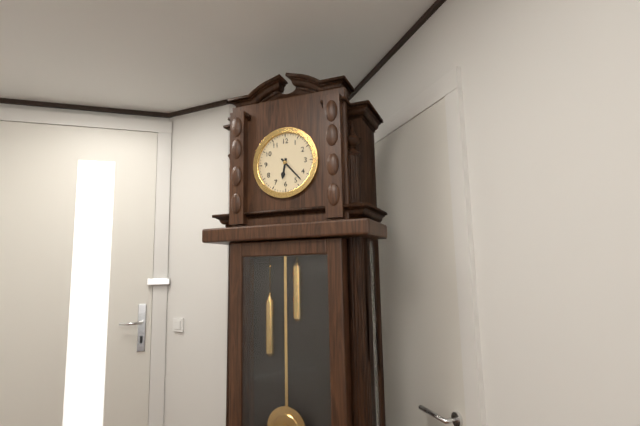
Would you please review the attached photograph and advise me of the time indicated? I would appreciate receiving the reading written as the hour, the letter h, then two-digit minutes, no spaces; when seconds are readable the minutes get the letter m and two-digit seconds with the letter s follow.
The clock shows 6h23
